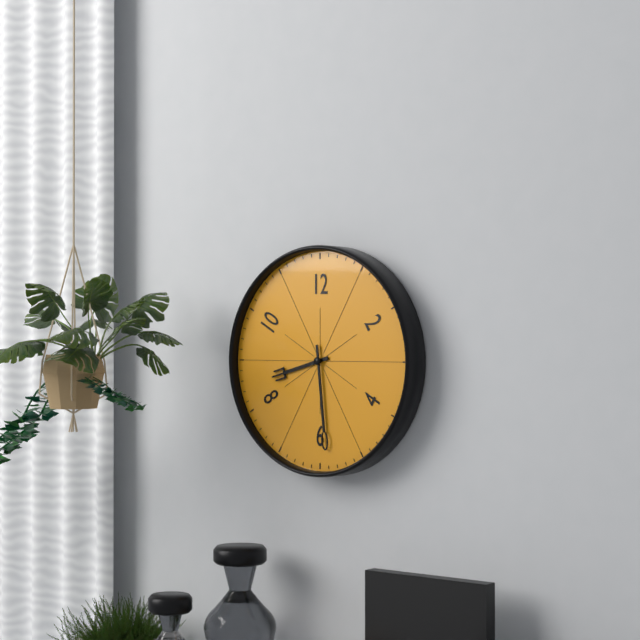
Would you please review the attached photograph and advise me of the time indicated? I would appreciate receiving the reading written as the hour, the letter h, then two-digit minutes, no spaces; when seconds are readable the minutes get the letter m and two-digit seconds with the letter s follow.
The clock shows 8h29
